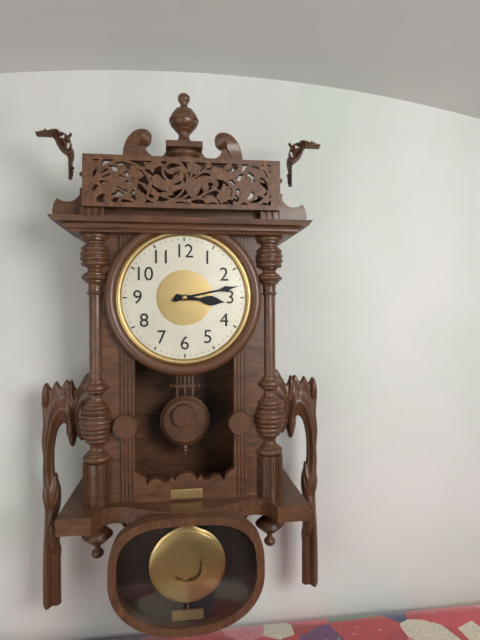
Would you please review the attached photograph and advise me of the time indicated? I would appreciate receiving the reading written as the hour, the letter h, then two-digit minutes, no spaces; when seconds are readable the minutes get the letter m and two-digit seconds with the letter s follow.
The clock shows 3h13
